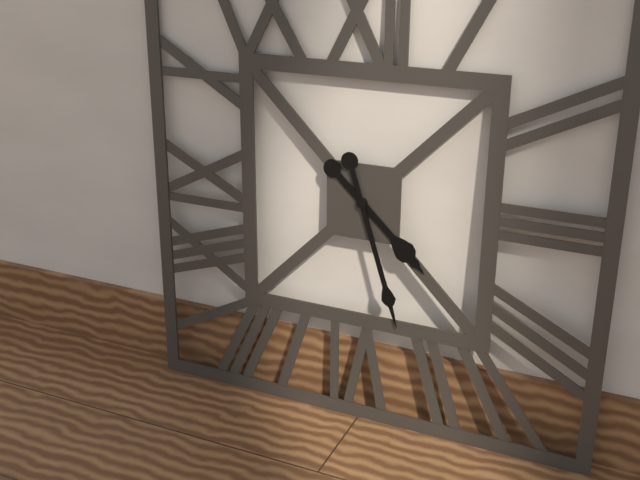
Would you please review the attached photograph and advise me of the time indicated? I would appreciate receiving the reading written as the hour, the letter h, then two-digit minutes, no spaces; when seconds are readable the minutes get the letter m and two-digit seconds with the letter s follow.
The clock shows 4h27
